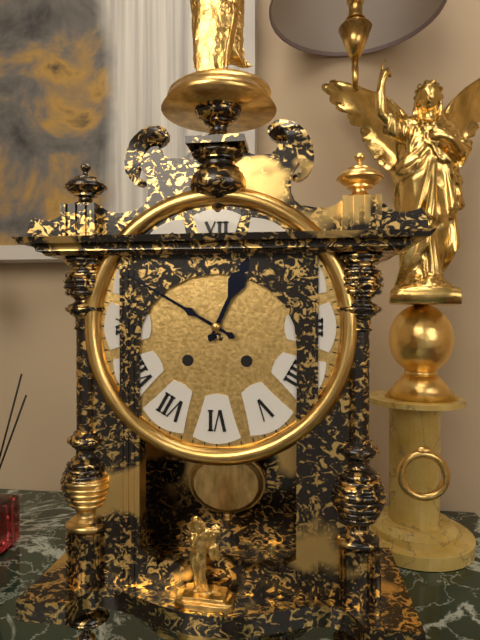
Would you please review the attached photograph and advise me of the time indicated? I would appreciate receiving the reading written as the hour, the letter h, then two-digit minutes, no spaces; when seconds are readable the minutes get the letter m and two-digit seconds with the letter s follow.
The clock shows 12h50
